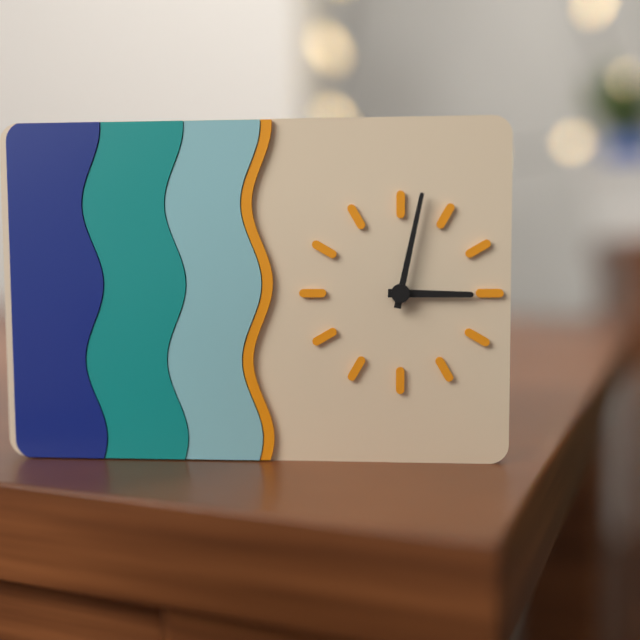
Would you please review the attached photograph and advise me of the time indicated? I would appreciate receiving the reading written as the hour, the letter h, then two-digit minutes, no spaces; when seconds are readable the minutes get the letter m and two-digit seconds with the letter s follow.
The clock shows 3h02
